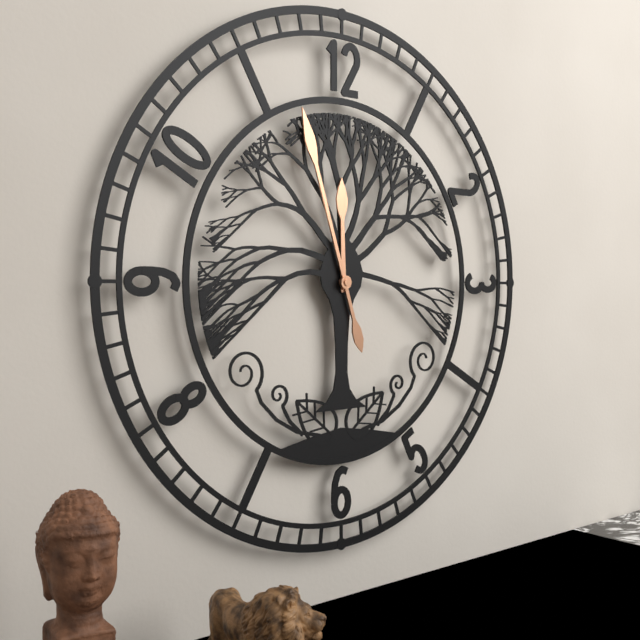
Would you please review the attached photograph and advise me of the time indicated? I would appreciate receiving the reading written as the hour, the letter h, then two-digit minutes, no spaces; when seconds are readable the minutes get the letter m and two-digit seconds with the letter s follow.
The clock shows 11h57
